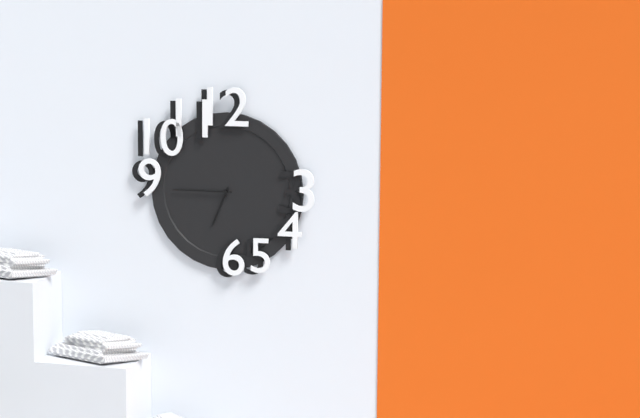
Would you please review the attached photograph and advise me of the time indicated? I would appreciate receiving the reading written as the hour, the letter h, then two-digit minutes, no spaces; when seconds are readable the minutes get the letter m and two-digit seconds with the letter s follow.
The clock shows 6h45
